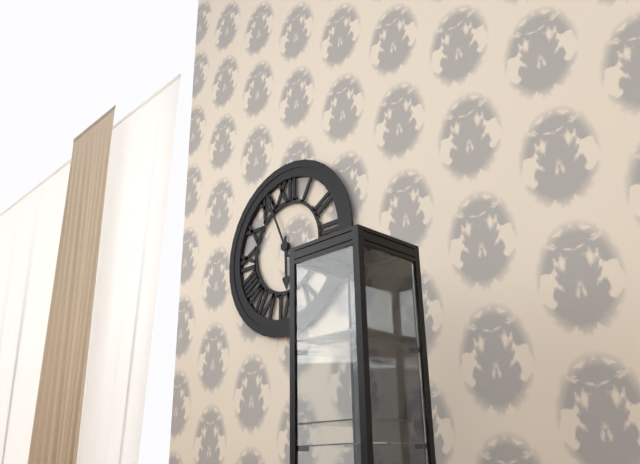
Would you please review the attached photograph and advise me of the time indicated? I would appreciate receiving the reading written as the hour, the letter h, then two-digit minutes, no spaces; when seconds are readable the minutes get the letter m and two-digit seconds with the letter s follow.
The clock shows 5h56
